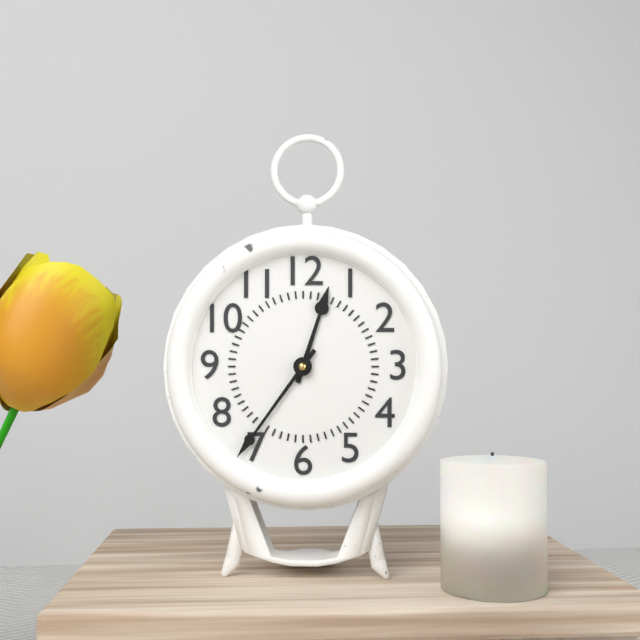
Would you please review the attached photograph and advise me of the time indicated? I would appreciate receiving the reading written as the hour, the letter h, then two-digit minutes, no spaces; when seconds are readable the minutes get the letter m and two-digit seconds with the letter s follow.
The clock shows 12h36
